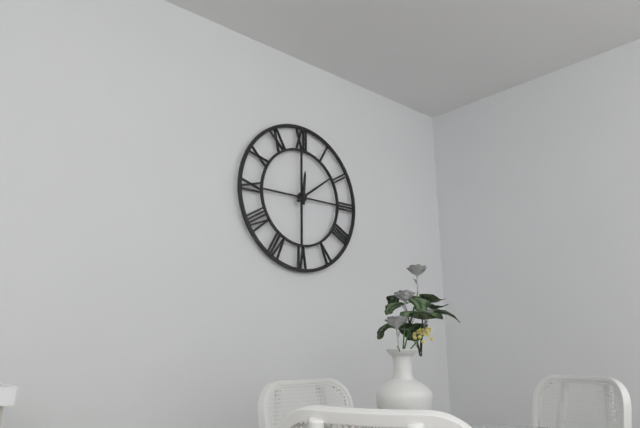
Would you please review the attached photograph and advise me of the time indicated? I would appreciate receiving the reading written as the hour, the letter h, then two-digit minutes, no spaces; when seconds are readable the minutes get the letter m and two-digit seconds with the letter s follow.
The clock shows 12h09
